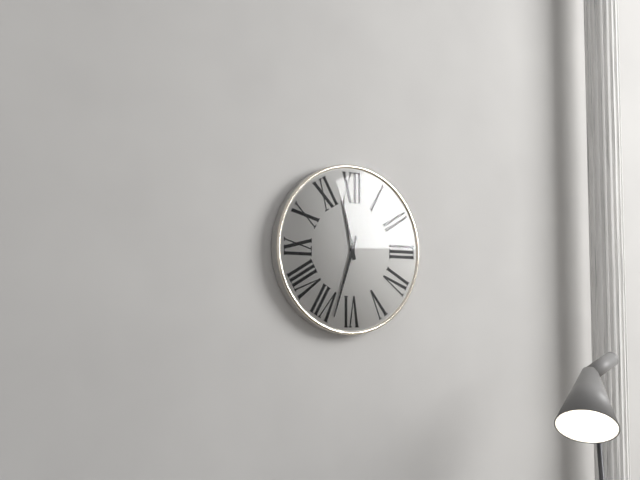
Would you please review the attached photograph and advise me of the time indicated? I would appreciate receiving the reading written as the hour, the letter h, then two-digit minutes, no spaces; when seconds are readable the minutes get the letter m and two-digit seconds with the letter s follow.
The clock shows 11h33
